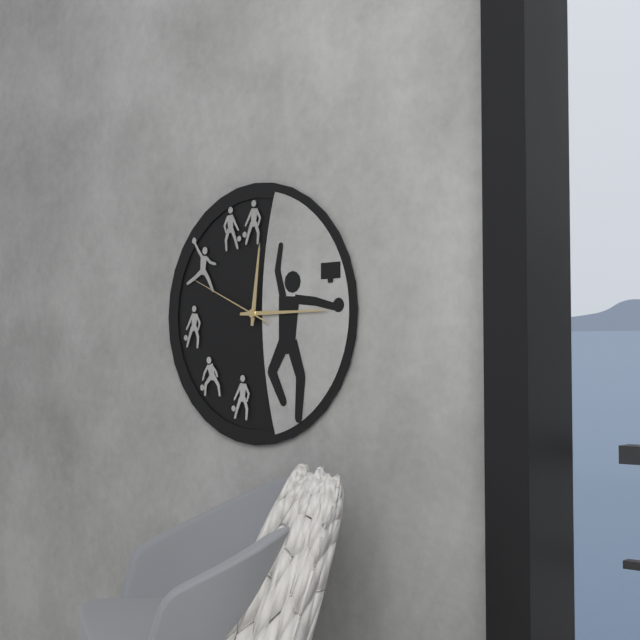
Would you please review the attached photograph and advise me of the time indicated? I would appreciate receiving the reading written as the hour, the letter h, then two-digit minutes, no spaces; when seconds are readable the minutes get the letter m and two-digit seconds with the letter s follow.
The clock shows 12h15m49s
